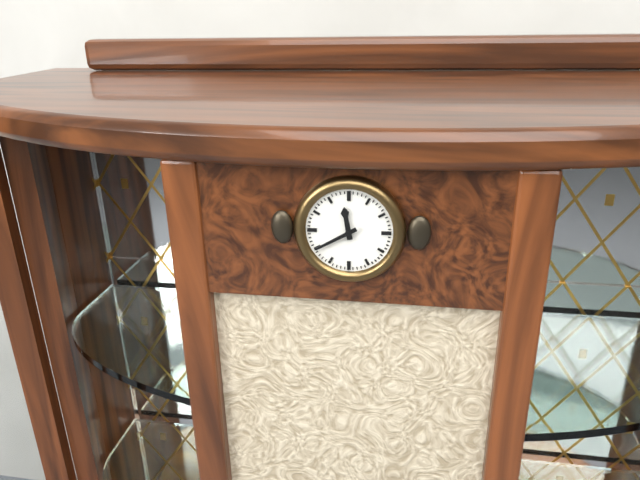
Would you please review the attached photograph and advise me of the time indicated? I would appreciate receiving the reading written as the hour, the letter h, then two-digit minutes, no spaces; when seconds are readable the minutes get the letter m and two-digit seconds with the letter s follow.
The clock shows 11h40
